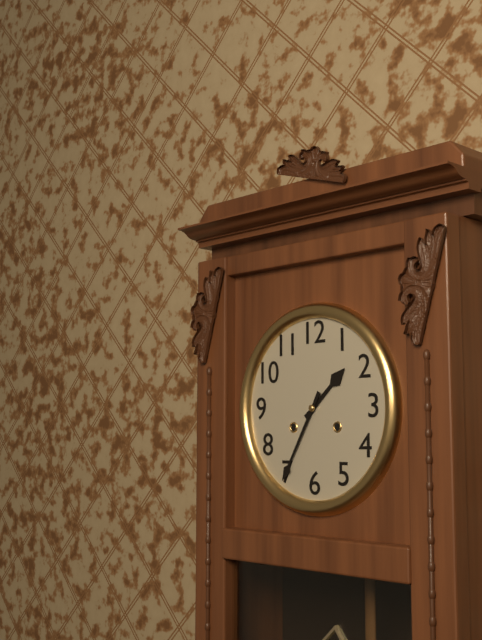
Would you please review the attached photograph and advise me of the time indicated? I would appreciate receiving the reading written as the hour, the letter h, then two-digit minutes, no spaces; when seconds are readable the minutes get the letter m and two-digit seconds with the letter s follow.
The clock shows 1h35
